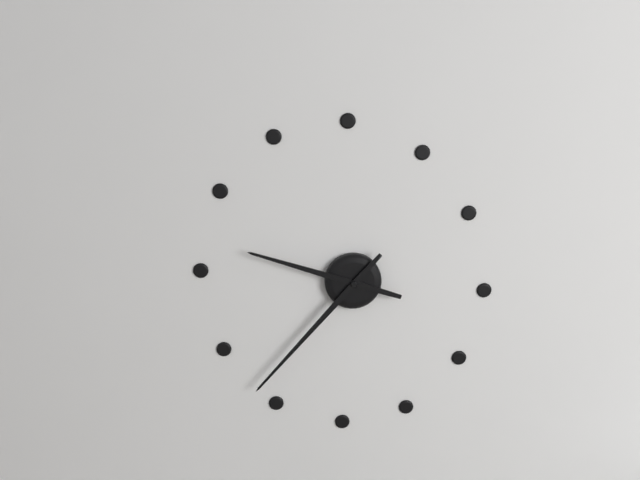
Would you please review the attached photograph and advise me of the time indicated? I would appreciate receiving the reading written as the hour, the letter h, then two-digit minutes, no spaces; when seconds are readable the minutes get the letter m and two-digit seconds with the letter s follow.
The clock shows 9h37
